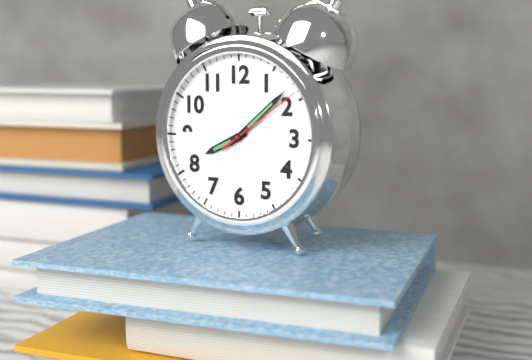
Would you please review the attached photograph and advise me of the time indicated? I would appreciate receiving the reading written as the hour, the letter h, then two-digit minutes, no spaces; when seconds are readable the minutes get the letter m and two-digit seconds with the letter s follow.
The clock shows 8h08m09s
